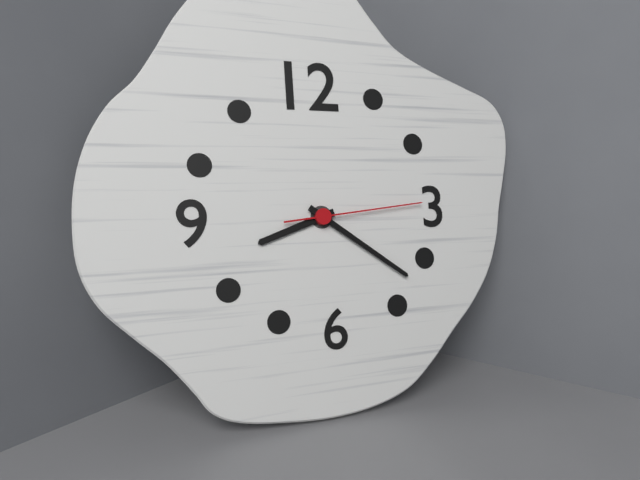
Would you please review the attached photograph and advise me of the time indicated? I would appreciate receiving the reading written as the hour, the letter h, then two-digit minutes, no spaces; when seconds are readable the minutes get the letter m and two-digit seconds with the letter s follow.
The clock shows 8h21m14s
